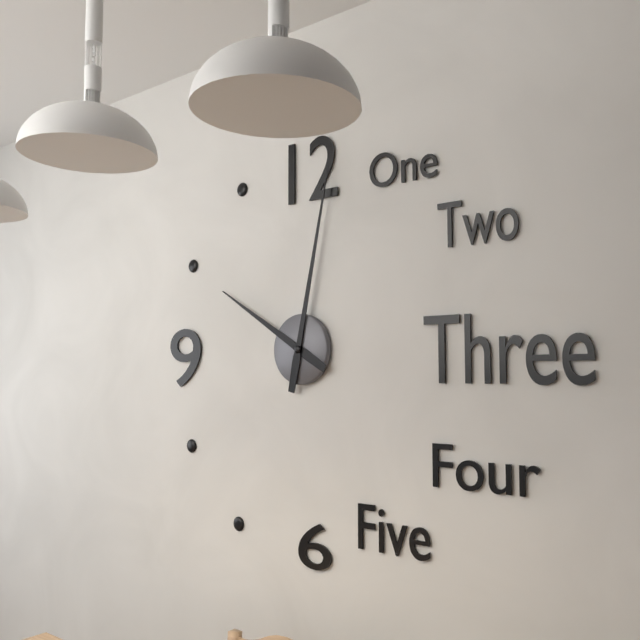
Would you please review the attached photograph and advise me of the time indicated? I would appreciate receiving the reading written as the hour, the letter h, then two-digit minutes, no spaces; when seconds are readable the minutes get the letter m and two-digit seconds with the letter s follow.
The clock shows 10h02
